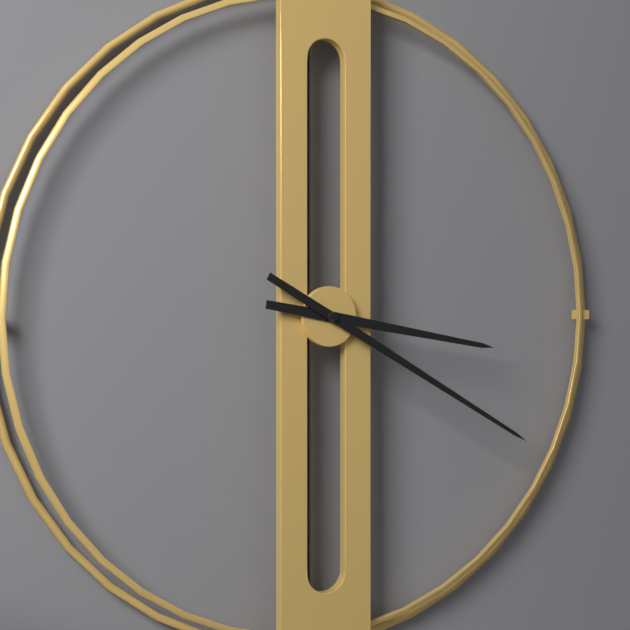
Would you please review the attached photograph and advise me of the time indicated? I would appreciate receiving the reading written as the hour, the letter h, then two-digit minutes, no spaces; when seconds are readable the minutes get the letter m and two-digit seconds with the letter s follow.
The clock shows 3h20
